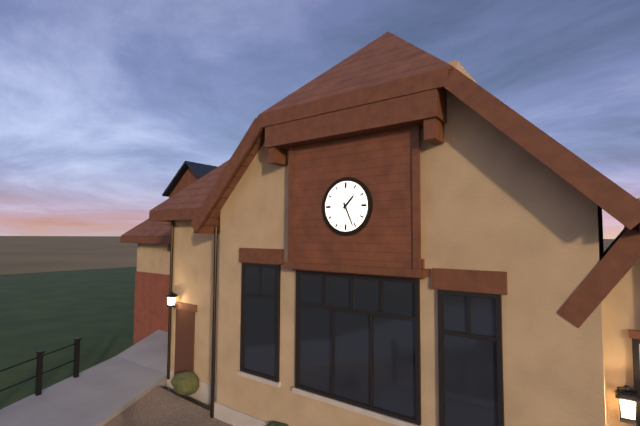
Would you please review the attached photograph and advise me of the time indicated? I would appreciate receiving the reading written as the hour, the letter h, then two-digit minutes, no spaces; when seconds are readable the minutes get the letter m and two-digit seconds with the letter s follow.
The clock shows 1h26
